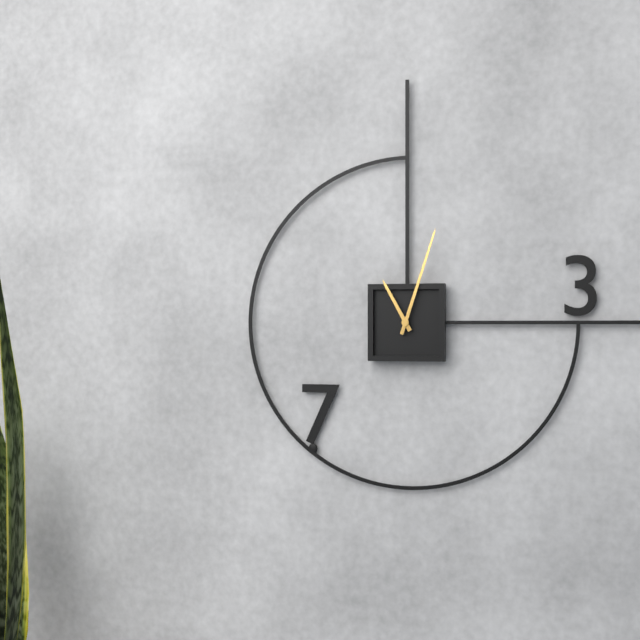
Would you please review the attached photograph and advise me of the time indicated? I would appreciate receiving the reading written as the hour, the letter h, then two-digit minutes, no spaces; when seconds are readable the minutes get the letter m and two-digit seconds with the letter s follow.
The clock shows 11h03
